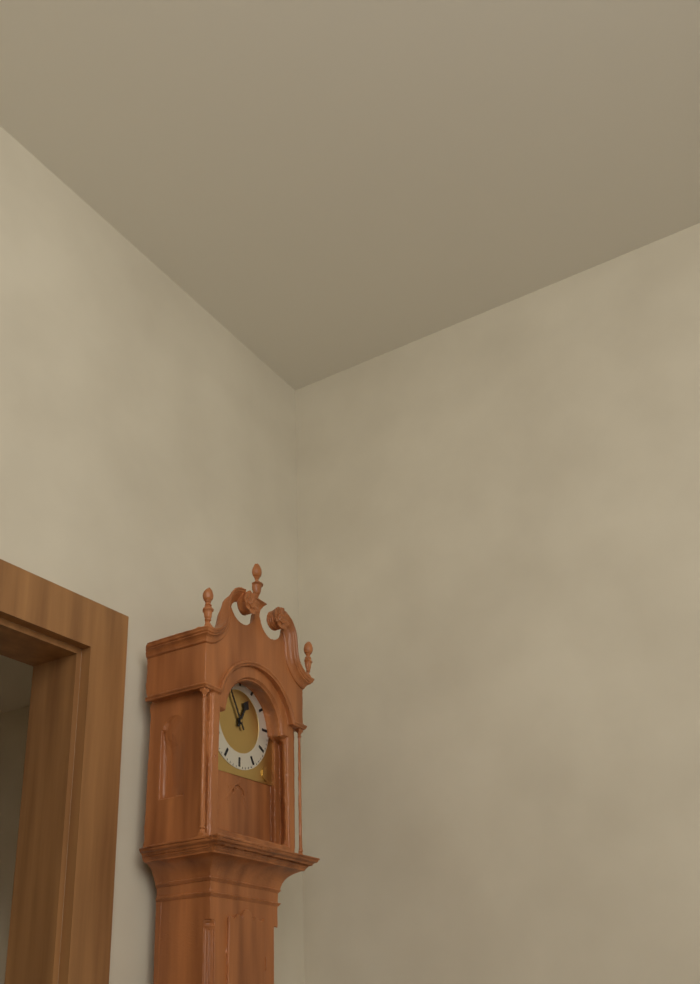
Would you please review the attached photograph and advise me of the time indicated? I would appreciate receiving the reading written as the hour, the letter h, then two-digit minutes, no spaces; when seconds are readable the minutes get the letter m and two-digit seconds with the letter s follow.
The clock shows 12h55
